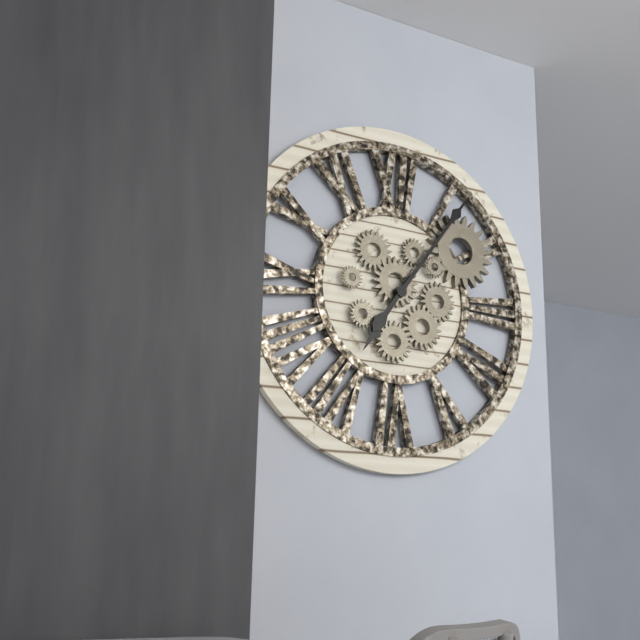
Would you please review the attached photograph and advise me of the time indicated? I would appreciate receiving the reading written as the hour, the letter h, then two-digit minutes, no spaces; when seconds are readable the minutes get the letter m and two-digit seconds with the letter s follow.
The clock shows 7h06
